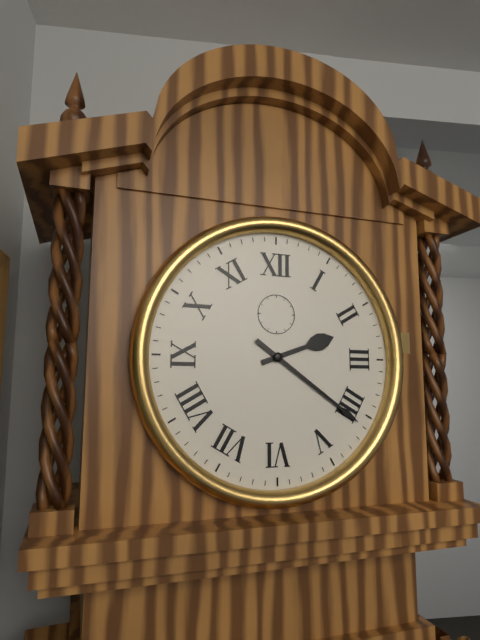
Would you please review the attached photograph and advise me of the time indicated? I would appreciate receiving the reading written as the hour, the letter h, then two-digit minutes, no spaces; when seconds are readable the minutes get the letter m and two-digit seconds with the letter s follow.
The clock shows 2h21
